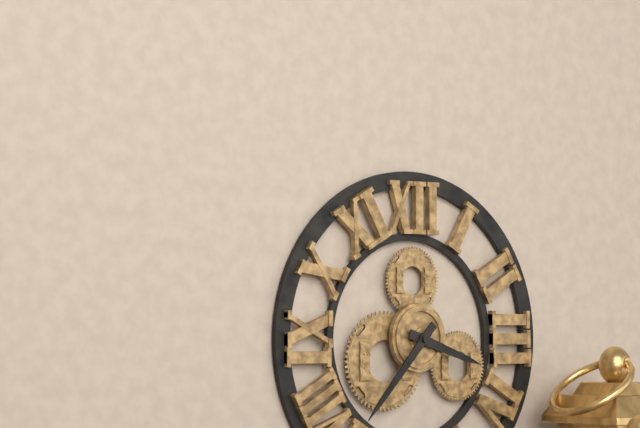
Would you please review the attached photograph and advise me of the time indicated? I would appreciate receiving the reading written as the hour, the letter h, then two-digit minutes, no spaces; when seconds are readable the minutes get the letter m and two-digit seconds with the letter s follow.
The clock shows 3h37
